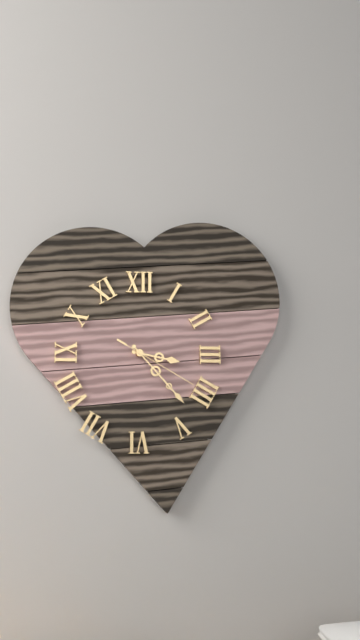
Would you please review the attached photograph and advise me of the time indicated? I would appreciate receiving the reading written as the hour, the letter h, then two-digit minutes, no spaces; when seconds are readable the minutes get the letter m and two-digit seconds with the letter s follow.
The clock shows 3h23m20s
